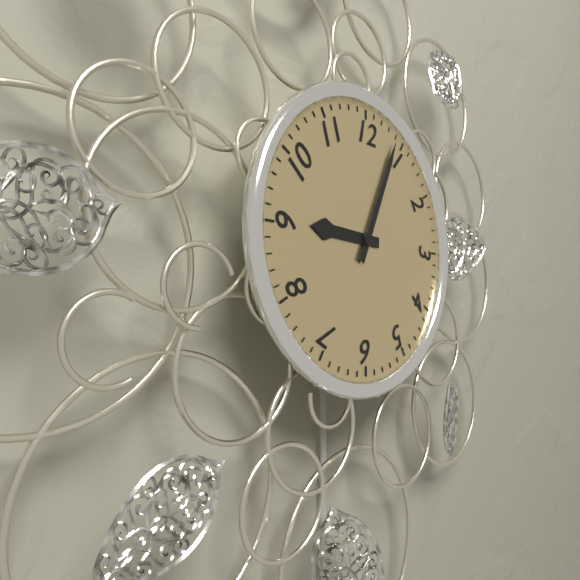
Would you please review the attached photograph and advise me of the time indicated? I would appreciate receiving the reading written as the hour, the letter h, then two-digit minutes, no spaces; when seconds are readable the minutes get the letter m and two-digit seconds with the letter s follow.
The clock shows 9h04
